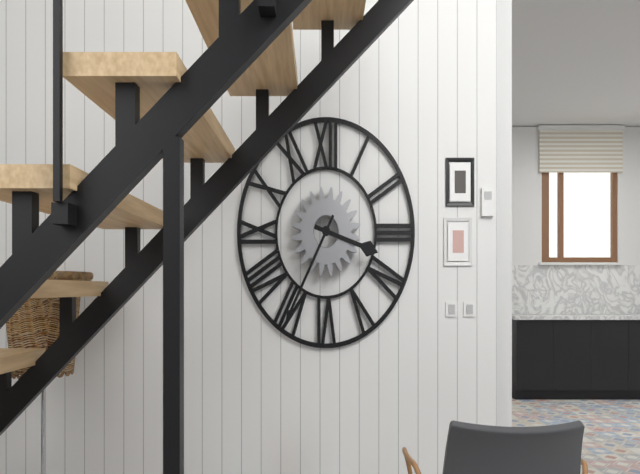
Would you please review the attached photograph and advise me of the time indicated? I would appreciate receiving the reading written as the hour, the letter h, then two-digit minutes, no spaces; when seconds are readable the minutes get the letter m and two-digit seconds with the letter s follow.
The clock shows 3h35
